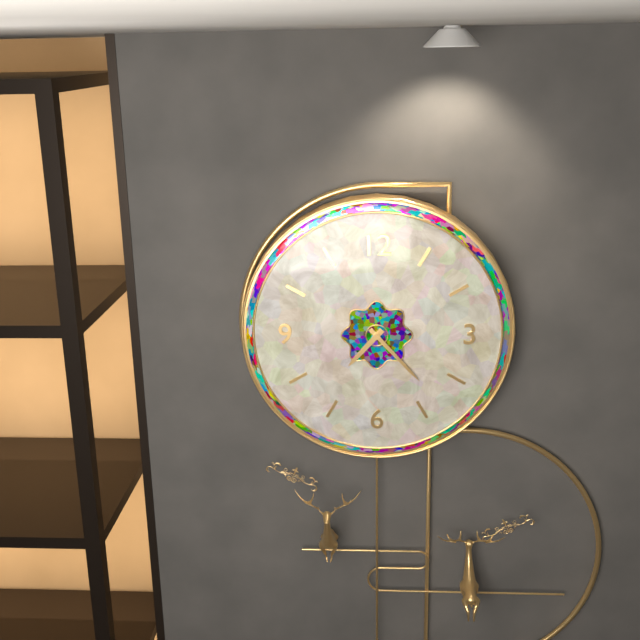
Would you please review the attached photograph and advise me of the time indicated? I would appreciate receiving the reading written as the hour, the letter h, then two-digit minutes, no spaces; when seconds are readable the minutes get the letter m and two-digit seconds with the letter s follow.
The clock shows 7h23
